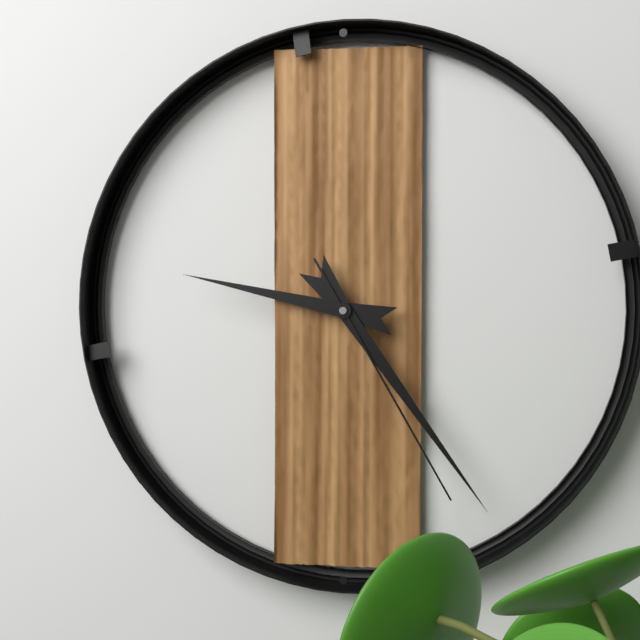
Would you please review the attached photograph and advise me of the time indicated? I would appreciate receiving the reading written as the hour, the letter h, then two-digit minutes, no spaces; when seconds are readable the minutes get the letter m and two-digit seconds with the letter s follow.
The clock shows 9h24m25s
